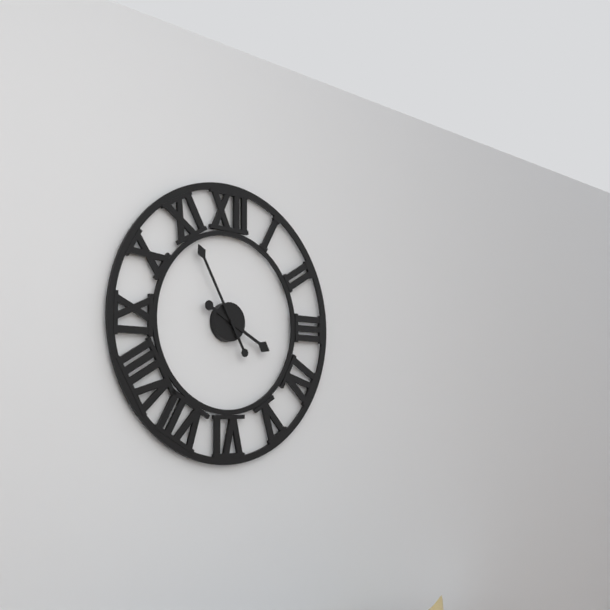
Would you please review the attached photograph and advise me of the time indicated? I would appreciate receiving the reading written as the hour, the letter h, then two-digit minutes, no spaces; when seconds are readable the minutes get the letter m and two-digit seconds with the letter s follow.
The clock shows 3h55
